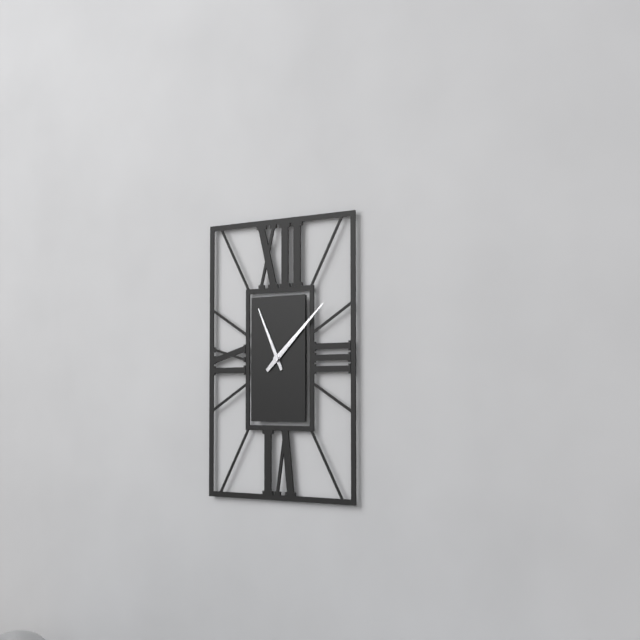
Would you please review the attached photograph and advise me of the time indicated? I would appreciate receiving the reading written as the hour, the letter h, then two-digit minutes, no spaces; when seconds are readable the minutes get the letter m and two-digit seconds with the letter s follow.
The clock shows 11h08
